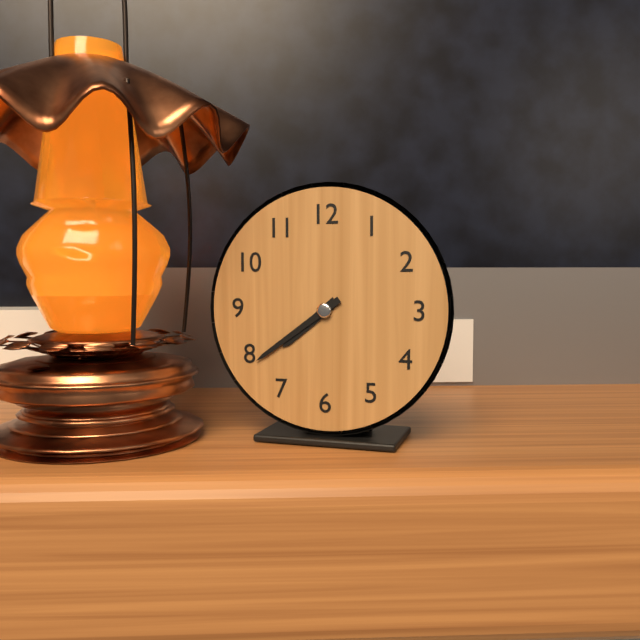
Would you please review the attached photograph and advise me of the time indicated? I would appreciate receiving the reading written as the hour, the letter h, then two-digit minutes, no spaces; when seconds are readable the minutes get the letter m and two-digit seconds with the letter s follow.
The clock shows 7h39
